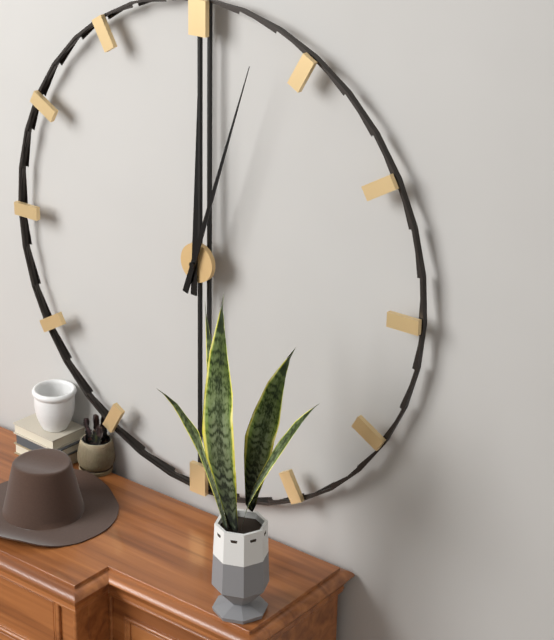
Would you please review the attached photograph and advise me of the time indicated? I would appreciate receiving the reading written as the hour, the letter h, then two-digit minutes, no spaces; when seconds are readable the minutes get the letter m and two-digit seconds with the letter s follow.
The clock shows 12h03
